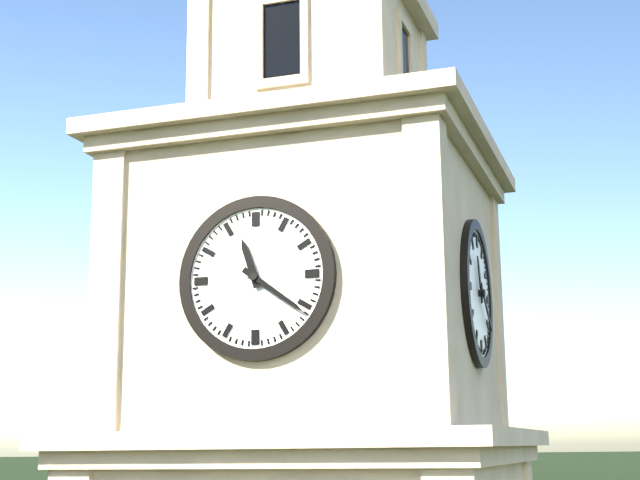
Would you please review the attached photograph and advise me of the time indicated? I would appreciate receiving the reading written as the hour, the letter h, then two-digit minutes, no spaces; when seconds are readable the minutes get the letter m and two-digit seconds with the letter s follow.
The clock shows 11h21
